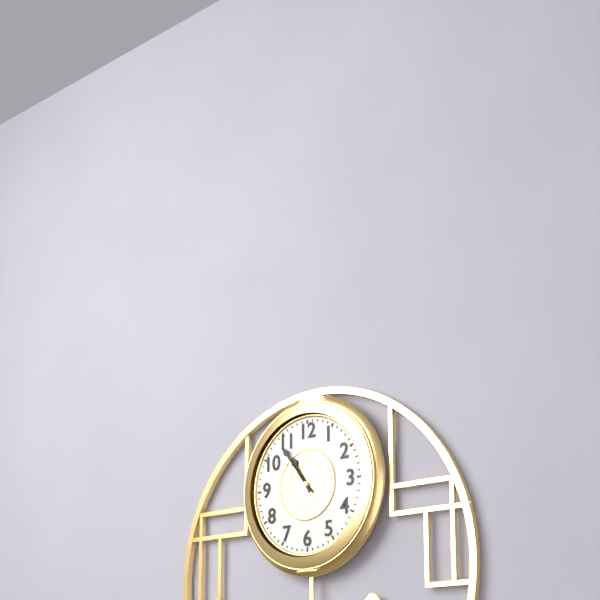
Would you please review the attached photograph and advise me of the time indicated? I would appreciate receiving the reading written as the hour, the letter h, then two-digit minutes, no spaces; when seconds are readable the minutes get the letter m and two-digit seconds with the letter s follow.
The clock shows 10h54
